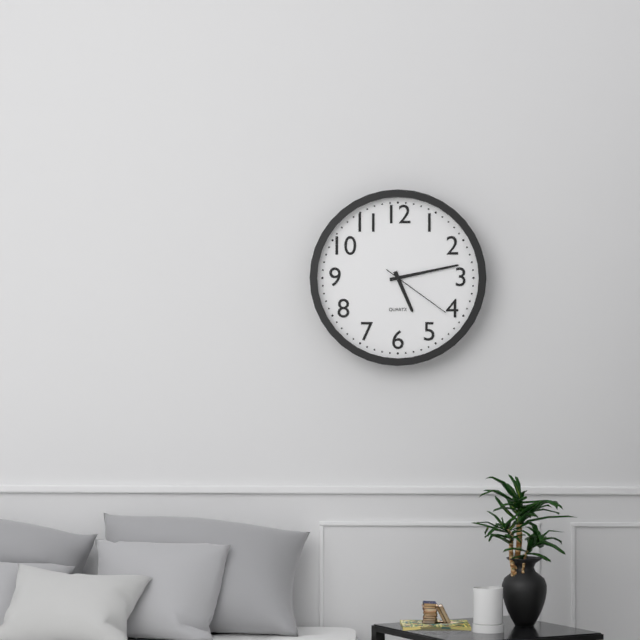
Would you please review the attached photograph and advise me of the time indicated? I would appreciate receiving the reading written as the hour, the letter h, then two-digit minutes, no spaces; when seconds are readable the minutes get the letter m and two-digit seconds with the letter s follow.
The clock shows 5h13m21s
